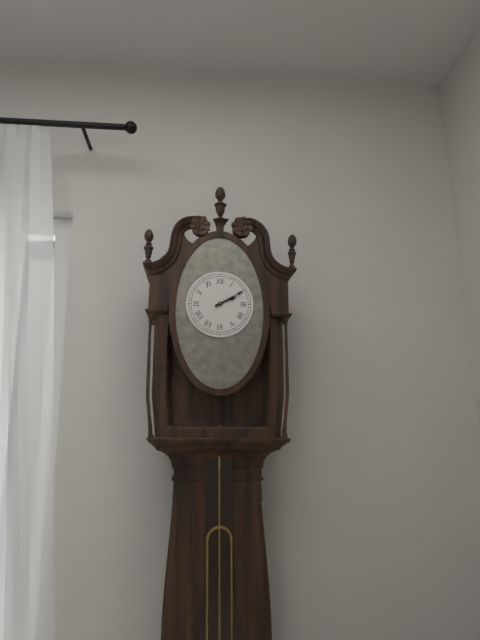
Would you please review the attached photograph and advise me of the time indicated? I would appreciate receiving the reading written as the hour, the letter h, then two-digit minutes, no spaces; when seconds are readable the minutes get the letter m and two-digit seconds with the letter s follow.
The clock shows 2h10
